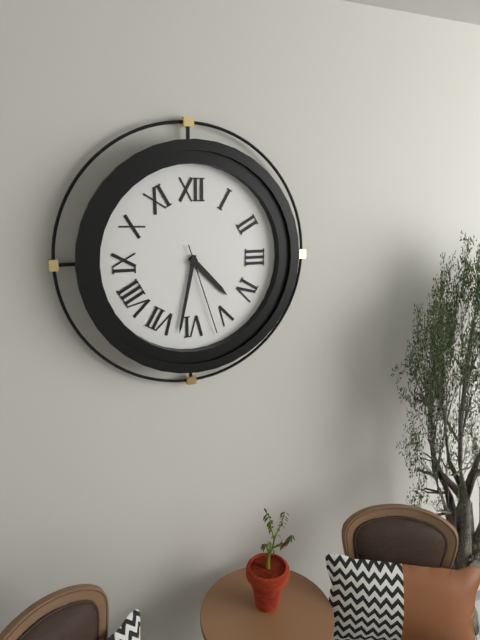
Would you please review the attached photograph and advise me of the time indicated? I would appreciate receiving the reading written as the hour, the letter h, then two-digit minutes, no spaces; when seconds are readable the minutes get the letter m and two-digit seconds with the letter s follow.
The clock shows 4h32m27s
